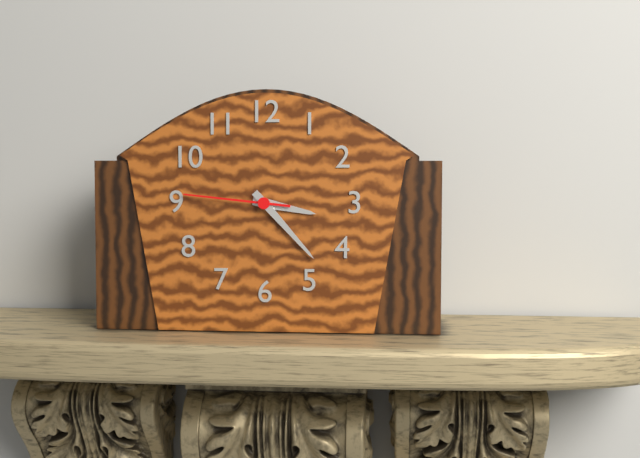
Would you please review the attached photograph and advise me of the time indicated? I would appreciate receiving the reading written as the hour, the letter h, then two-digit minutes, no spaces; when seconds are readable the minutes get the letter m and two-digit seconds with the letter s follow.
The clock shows 3h23m46s
